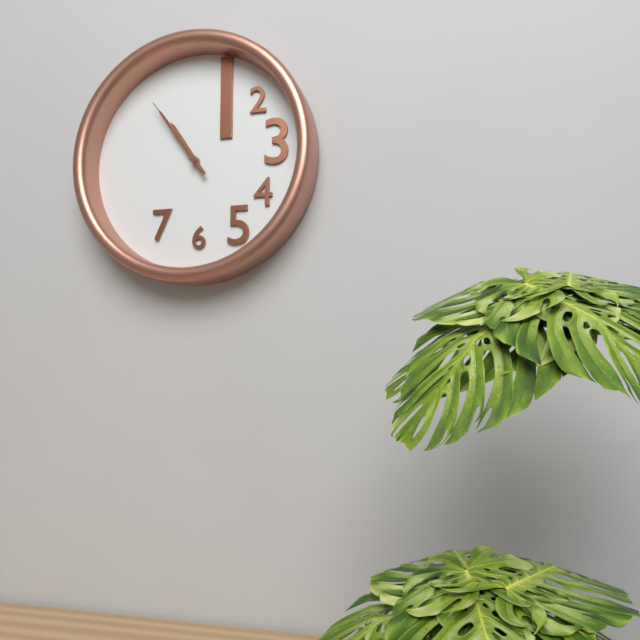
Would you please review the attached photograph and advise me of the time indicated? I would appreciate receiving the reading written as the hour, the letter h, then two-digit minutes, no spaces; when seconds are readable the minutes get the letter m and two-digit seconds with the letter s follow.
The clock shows 10h54m54s
